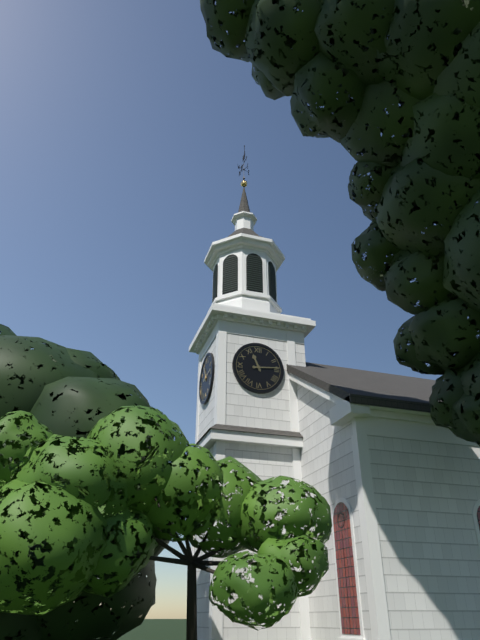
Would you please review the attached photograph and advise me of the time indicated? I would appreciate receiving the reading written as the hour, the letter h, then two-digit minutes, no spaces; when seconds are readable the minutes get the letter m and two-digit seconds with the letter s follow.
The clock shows 11h14
